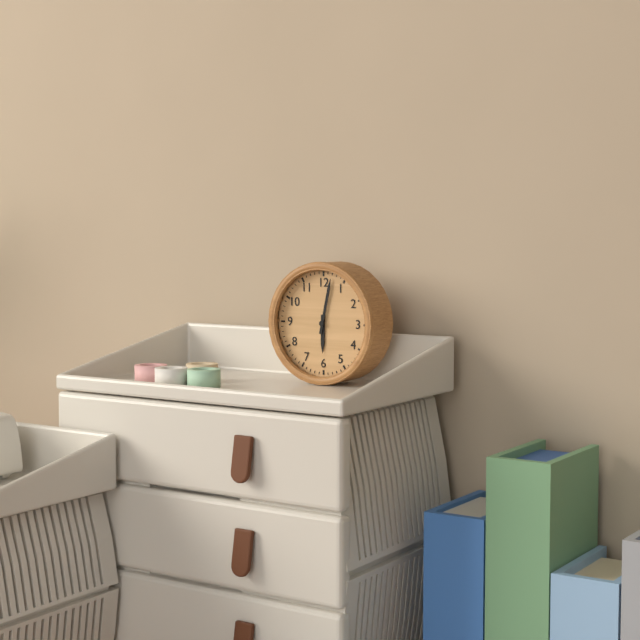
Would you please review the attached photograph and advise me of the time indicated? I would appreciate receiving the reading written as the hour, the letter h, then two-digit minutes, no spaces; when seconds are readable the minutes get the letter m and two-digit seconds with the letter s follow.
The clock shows 6h02
